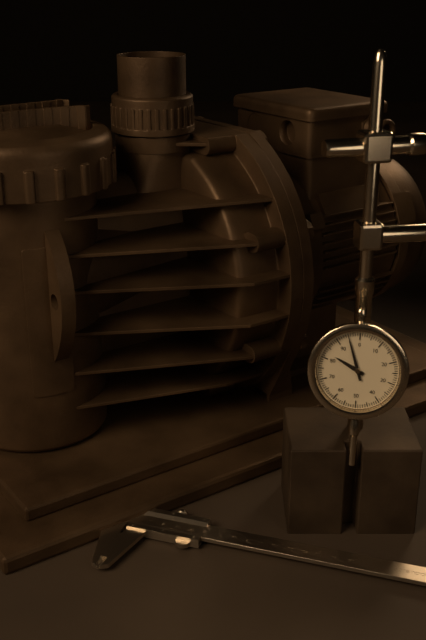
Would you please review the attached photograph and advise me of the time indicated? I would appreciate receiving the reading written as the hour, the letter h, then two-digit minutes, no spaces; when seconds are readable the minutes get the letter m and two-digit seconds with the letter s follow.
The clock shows 9h57
